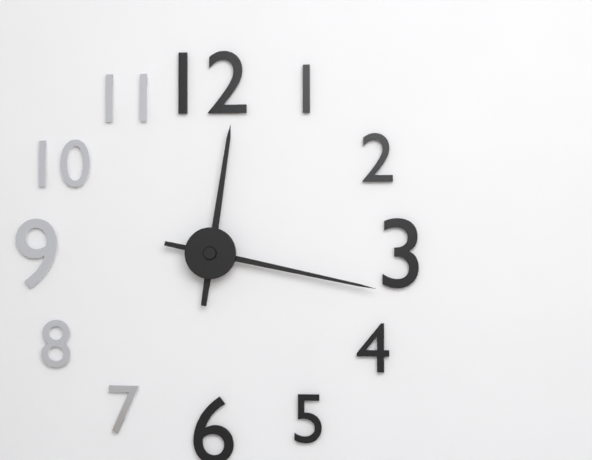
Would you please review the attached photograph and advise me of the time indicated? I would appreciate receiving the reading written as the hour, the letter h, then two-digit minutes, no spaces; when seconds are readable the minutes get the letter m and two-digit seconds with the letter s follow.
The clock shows 12h17
